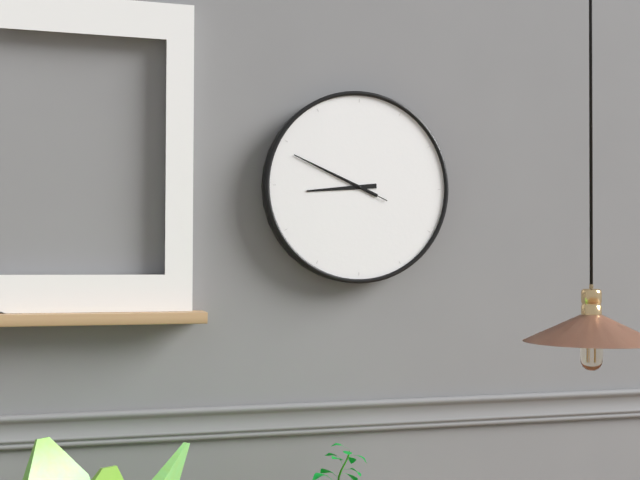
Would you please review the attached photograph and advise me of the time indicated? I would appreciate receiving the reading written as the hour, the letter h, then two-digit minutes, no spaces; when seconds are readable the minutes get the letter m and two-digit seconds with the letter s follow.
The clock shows 8h49m49s
